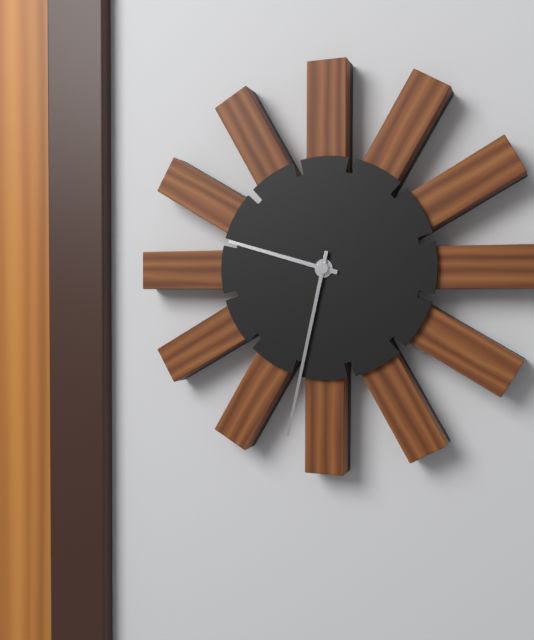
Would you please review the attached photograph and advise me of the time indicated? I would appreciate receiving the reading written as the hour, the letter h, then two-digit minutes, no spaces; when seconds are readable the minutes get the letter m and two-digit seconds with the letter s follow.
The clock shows 9h32
